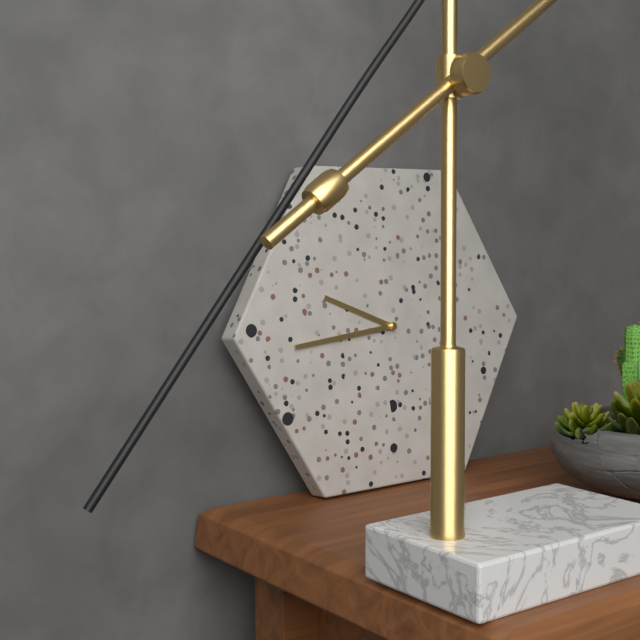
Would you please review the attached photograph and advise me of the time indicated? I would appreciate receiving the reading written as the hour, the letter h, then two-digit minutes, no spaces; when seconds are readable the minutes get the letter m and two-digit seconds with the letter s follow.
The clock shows 9h44
